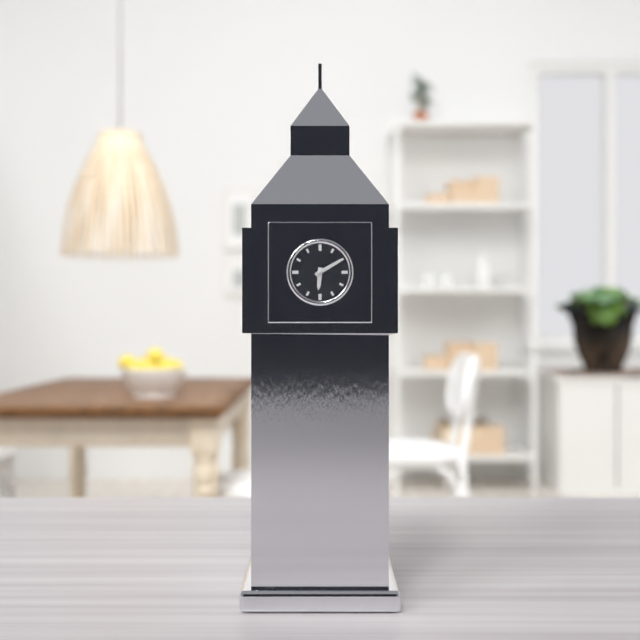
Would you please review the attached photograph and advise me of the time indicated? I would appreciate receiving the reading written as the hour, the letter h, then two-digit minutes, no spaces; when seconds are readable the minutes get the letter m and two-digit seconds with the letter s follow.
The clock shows 6h10
